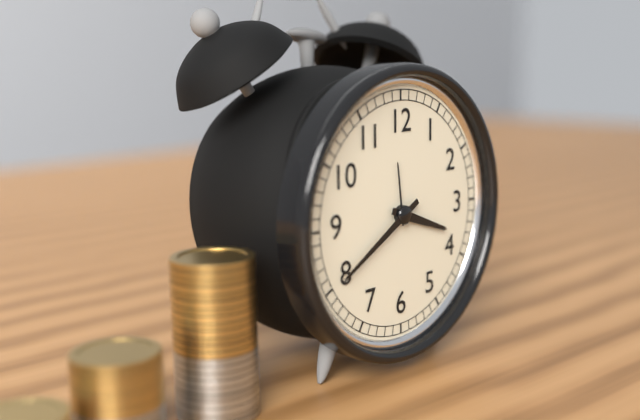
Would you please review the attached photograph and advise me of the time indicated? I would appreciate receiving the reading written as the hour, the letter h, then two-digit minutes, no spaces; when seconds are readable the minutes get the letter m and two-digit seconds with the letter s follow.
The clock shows 3h40
